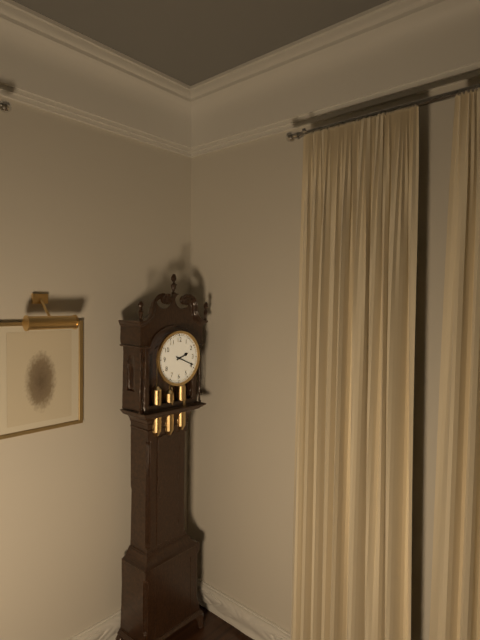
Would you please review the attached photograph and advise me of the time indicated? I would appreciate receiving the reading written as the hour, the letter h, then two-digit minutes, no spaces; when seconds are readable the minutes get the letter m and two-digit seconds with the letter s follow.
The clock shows 2h19
